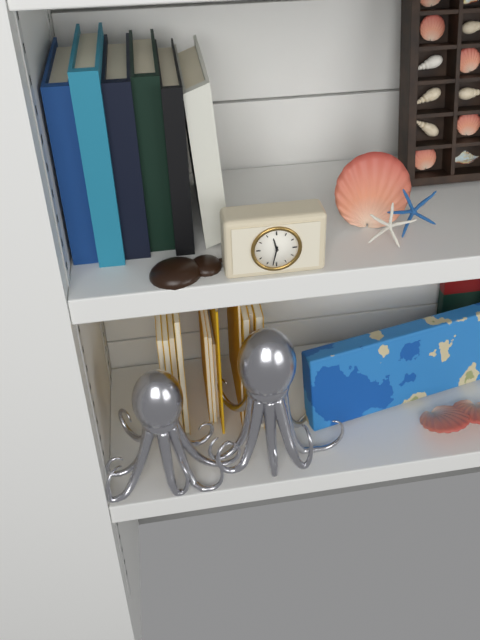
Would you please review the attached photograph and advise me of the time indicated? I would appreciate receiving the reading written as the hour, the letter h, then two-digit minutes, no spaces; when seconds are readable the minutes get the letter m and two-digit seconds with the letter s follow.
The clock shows 11h32
